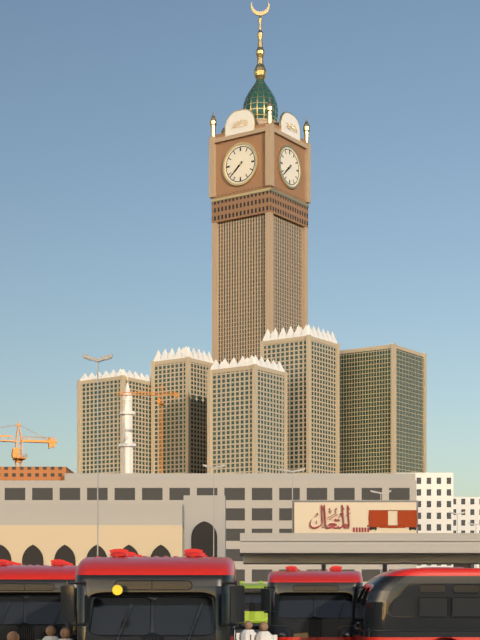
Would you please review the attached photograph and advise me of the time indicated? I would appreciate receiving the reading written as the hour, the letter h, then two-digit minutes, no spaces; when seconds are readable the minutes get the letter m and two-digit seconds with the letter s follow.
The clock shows 7h38
